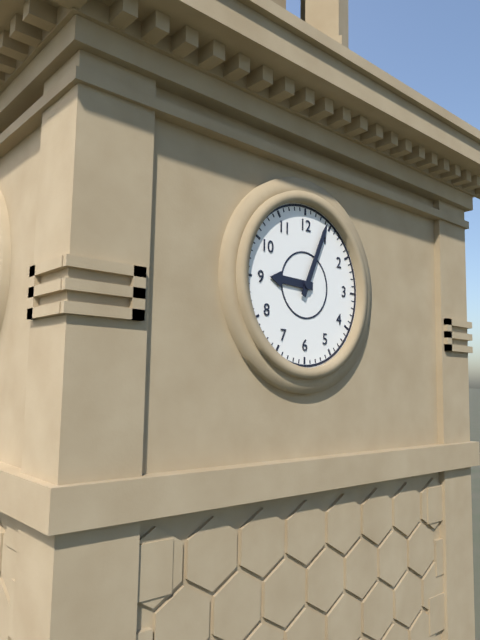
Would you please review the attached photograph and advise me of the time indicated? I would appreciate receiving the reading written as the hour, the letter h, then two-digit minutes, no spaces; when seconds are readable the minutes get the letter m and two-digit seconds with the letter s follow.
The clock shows 9h04
